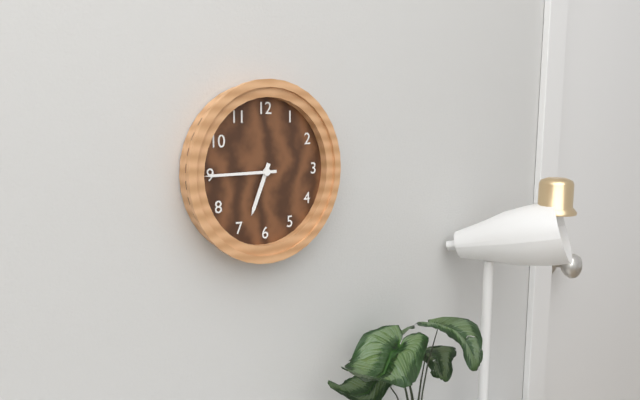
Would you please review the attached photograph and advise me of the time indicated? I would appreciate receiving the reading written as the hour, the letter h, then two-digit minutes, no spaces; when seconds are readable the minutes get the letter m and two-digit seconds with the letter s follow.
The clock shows 6h45
